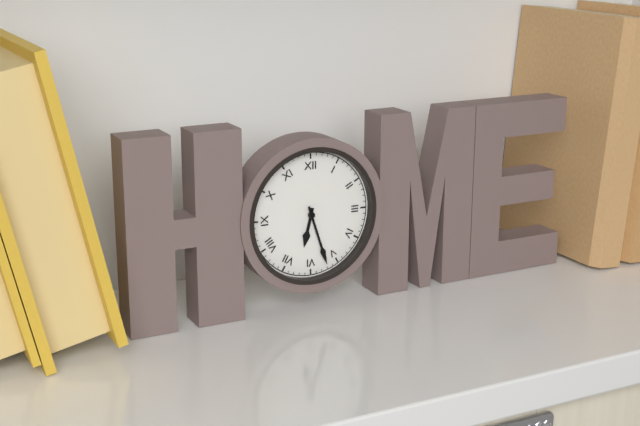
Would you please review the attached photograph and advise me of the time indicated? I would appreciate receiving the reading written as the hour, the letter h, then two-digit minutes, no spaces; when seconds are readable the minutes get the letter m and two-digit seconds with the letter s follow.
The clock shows 6h27
